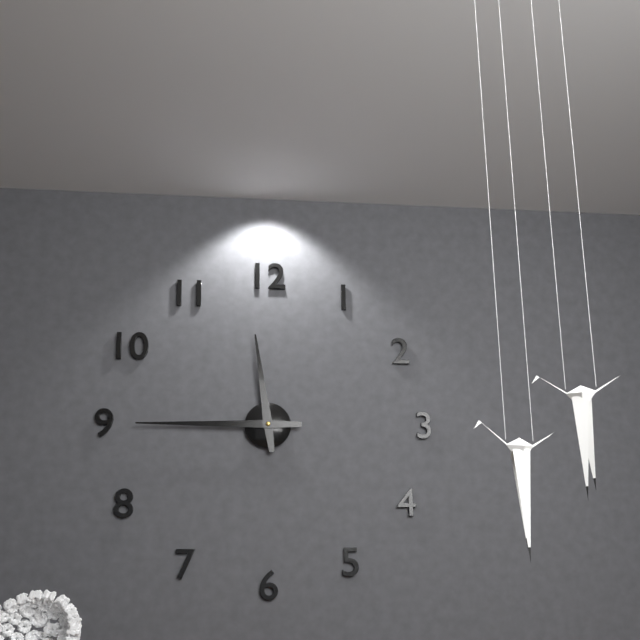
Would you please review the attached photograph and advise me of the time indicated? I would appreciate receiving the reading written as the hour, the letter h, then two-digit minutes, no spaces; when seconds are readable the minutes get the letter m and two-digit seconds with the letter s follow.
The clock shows 11h45
